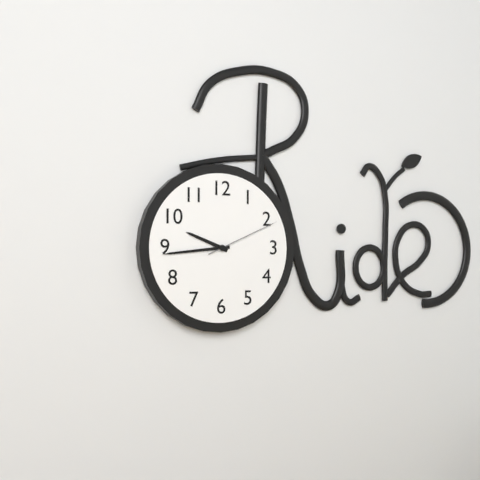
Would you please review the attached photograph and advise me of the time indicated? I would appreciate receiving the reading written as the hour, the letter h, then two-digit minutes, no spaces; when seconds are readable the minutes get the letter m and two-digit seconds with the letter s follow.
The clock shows 9h44m11s
